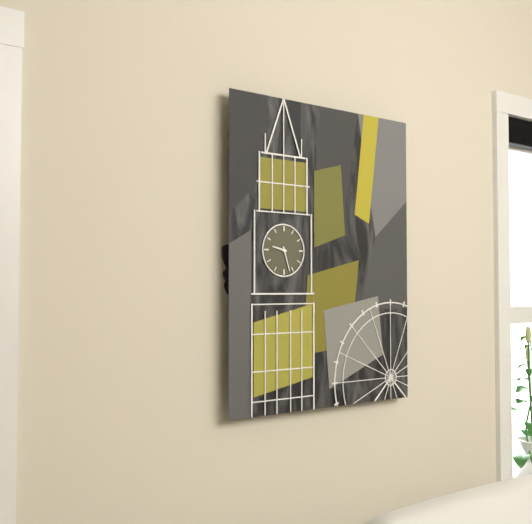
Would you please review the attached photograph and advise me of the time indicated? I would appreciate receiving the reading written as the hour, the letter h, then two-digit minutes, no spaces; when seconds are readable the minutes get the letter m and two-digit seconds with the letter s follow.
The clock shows 9h27
